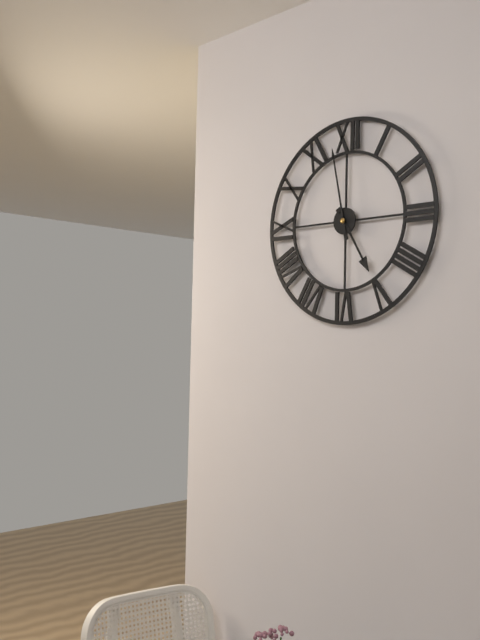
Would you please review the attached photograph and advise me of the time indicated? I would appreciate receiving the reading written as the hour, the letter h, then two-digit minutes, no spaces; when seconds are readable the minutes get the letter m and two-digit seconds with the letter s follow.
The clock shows 4h58
